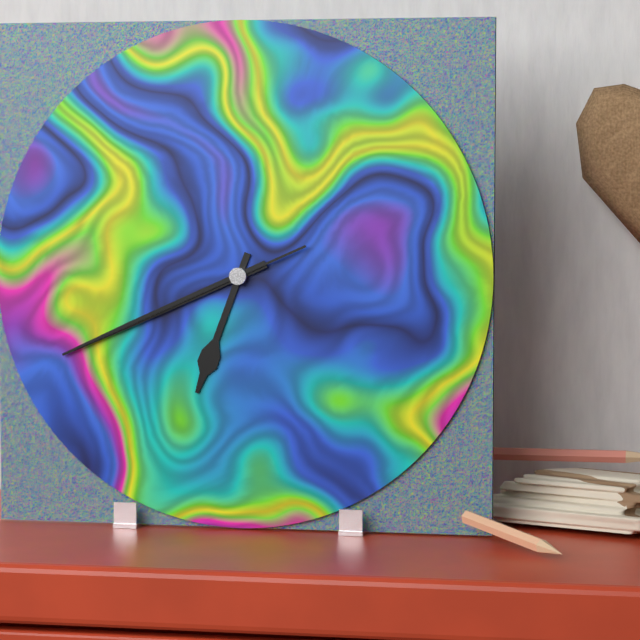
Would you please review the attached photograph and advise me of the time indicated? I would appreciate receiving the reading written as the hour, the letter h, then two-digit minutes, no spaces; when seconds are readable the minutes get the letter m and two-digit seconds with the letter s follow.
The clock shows 6h41m41s
